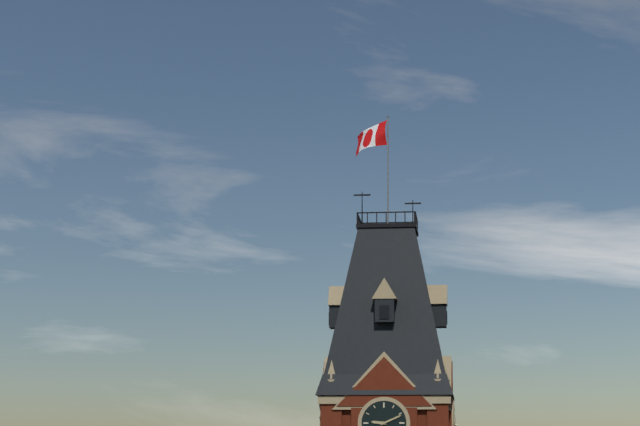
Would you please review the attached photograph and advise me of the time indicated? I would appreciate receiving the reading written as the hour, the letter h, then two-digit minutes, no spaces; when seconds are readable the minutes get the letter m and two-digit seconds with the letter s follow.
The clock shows 9h11
